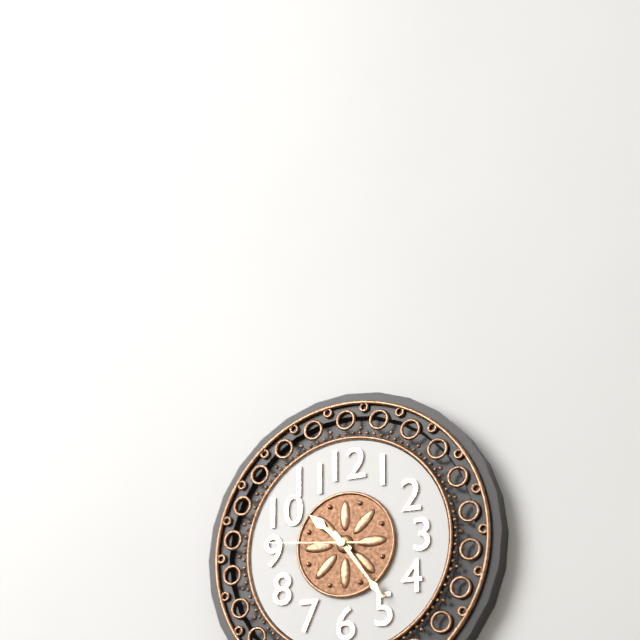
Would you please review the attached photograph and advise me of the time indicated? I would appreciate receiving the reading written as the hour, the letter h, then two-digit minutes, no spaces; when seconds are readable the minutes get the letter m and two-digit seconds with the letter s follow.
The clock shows 10h24m46s
